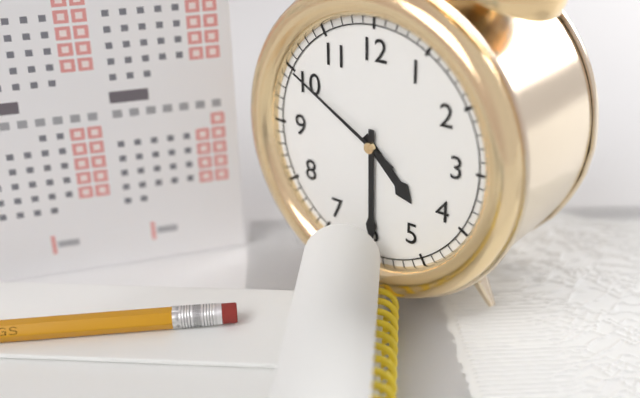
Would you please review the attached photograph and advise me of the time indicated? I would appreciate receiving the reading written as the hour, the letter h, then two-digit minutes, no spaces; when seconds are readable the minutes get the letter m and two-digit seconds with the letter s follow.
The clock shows 4h30m50s
